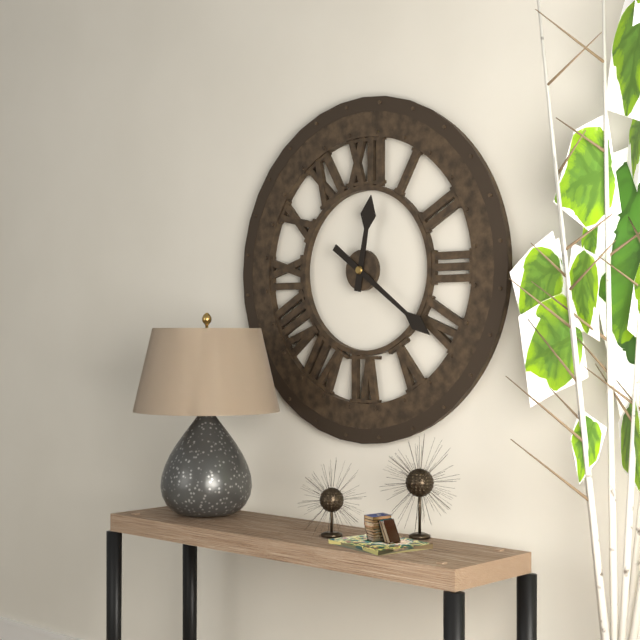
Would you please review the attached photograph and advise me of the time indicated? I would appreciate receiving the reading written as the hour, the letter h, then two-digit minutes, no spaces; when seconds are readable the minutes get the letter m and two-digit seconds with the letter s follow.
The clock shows 12h21
